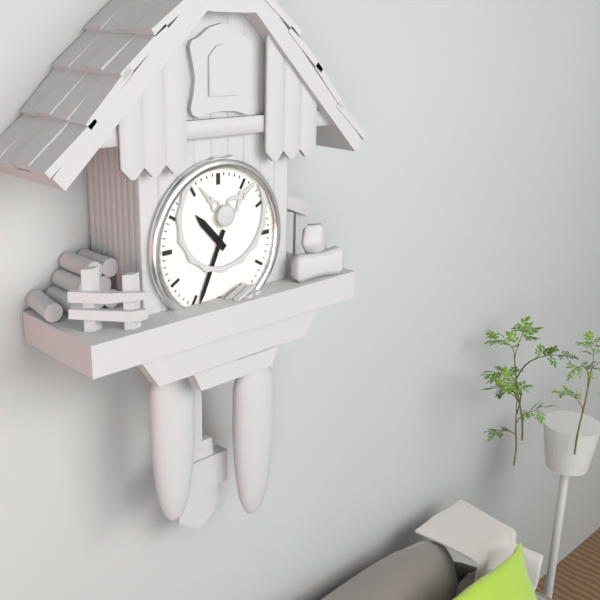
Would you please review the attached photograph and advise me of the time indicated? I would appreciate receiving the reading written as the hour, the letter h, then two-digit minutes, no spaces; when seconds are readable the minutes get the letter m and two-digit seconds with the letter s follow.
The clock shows 10h34
